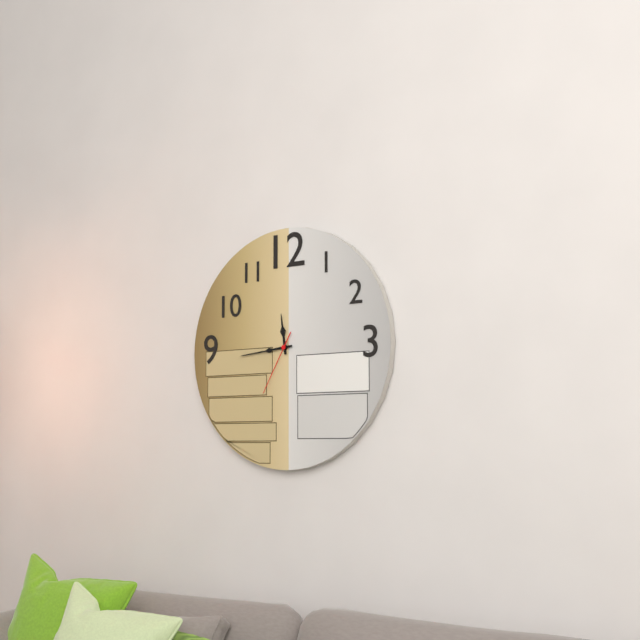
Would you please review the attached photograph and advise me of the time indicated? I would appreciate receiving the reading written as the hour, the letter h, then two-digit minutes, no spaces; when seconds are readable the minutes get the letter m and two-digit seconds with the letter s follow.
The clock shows 11h44m35s
